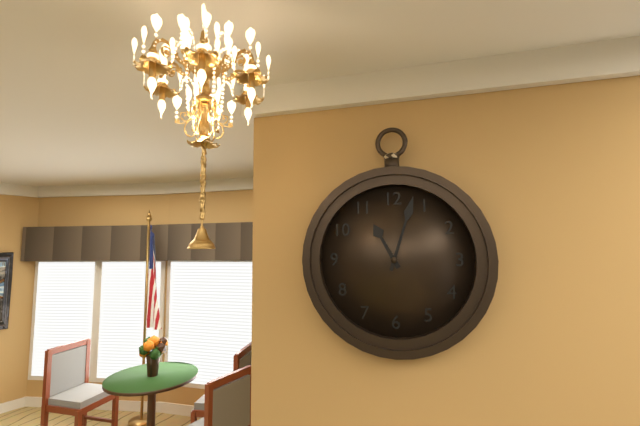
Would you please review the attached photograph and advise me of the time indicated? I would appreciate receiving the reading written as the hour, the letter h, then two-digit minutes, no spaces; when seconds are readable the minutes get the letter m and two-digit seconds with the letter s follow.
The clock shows 11h03
